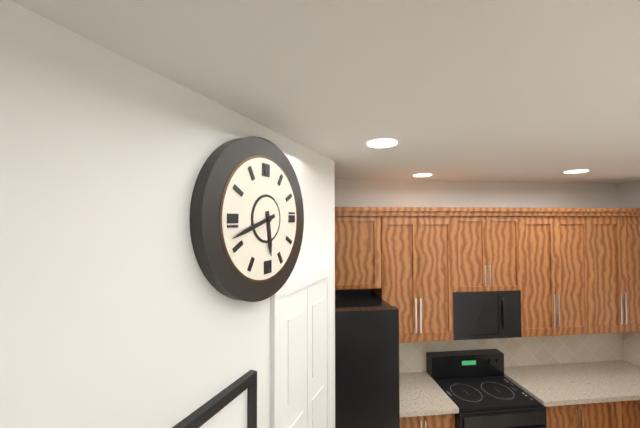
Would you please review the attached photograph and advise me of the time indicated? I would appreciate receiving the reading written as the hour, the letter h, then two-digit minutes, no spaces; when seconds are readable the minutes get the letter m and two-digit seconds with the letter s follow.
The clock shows 5h42
